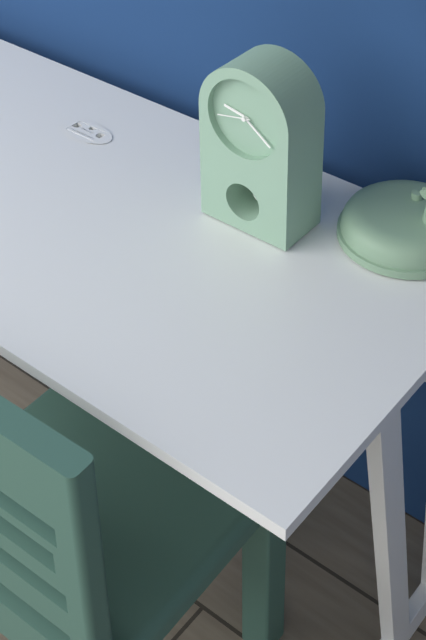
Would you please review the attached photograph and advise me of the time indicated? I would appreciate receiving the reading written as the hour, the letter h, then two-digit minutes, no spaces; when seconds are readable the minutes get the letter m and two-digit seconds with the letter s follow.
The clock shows 9h21
